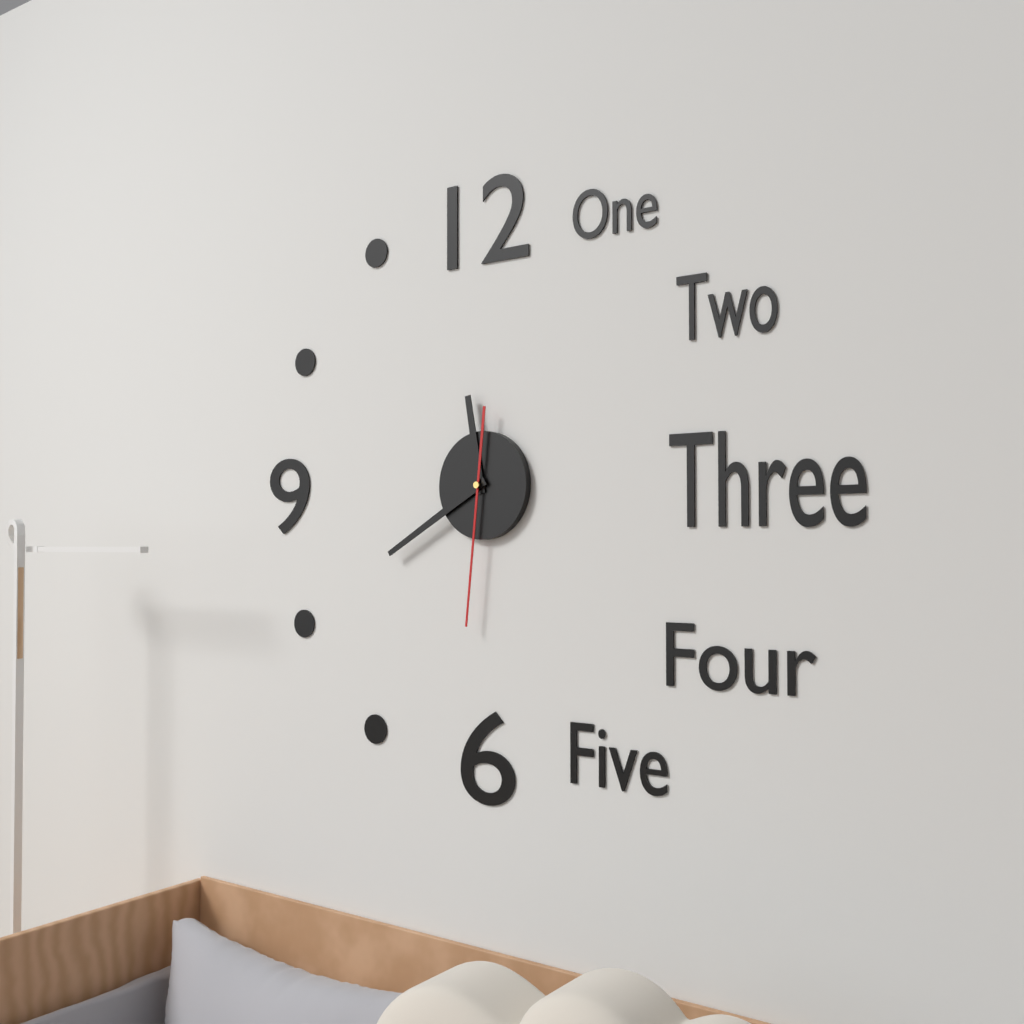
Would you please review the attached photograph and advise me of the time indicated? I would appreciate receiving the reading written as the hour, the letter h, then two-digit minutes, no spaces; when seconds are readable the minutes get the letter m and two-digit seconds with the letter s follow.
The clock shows 11h40m31s
